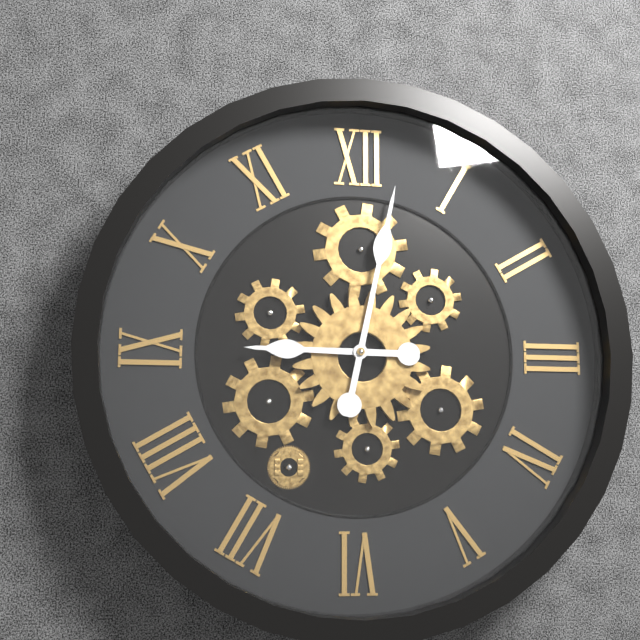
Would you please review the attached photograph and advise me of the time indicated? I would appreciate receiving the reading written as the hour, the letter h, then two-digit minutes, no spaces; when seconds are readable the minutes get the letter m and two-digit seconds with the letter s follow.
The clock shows 9h02
